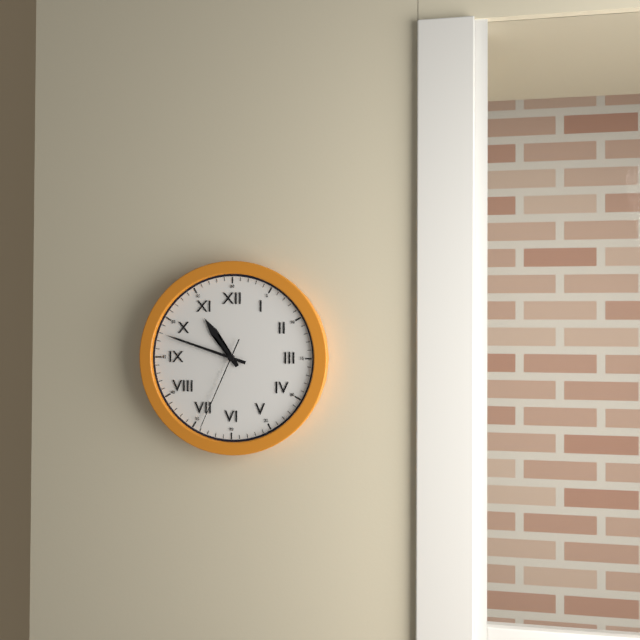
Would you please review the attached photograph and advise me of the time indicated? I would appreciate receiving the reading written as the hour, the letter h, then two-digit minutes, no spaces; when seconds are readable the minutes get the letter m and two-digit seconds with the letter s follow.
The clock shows 10h48m34s
